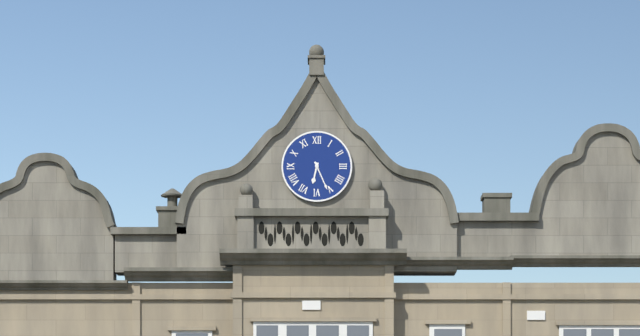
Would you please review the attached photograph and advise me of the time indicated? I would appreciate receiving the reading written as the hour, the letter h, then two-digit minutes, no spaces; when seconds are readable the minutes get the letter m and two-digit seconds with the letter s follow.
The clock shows 6h26
